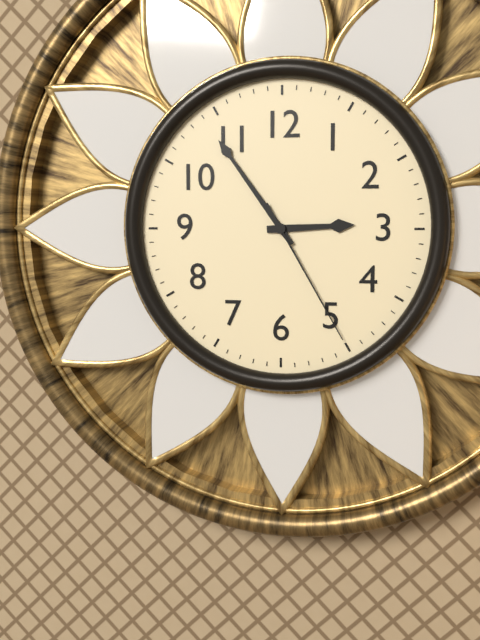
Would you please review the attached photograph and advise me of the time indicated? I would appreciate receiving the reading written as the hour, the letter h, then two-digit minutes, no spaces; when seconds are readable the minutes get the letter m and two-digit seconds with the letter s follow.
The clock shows 2h54m25s
